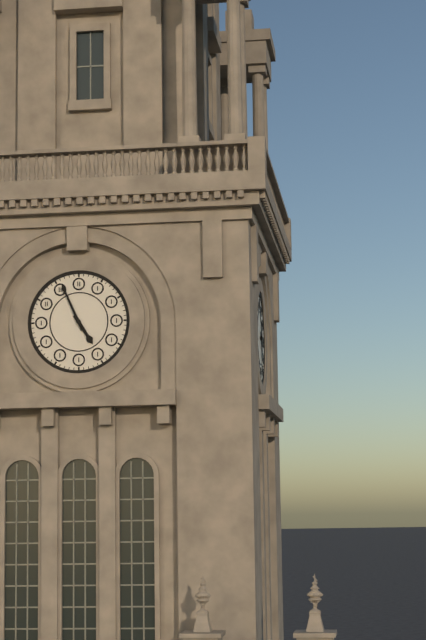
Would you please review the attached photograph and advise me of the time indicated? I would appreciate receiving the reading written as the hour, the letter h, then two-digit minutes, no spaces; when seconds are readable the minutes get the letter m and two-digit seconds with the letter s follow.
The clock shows 4h56
